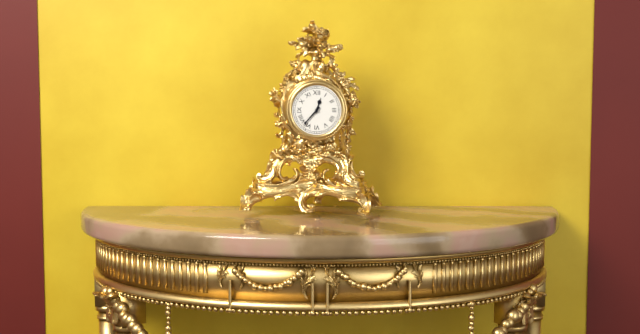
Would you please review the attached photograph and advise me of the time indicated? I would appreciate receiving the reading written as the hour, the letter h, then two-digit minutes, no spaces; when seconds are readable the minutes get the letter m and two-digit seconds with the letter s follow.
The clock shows 12h37
